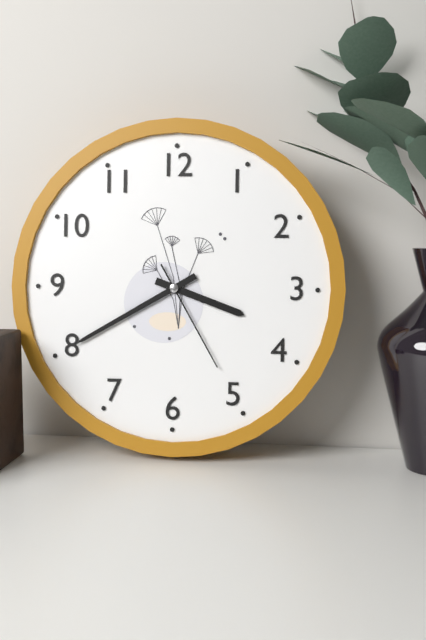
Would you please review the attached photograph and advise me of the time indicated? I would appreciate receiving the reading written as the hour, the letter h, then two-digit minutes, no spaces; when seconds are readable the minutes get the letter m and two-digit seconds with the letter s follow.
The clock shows 3h40m25s
